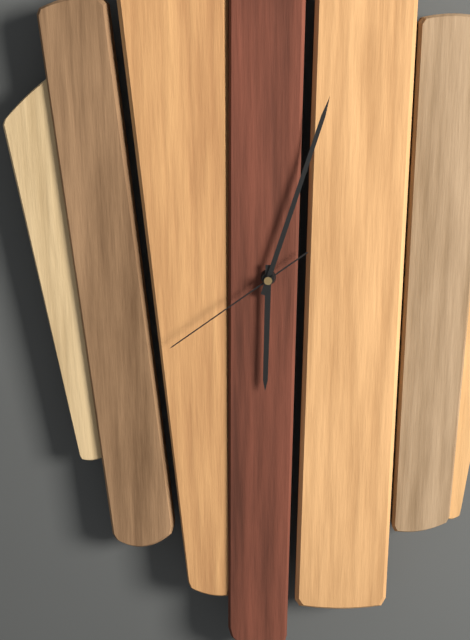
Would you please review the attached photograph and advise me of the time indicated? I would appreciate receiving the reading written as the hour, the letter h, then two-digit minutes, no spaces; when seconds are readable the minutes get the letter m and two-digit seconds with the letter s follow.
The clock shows 6h03m39s
